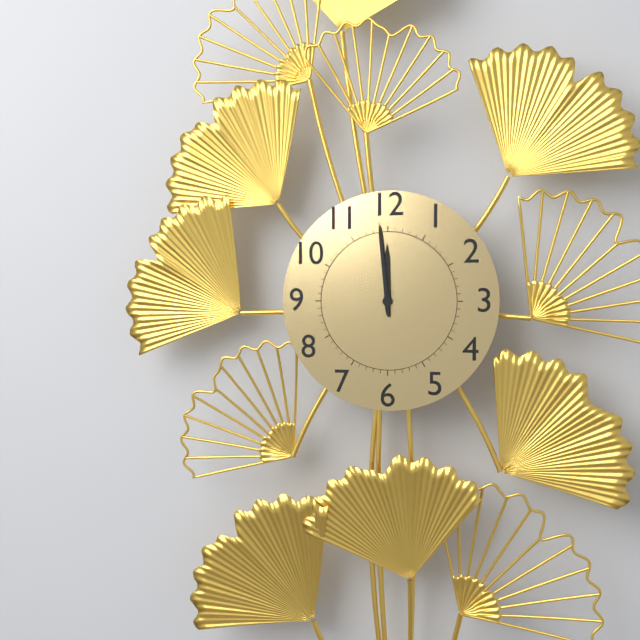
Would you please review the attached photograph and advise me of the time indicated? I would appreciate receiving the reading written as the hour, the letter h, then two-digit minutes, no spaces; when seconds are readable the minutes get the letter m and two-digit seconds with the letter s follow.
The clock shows 11h59
